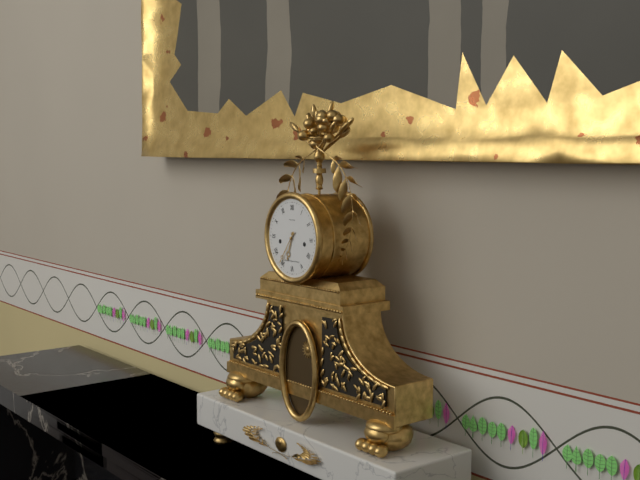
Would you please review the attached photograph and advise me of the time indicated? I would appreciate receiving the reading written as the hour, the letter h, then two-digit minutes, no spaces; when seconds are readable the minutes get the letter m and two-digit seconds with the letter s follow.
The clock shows 6h36
